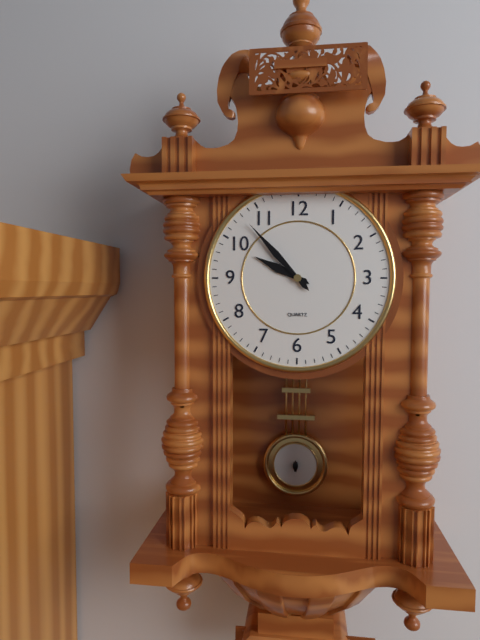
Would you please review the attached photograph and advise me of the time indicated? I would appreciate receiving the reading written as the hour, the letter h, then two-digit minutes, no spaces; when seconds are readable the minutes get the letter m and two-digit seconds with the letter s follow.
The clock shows 9h53
